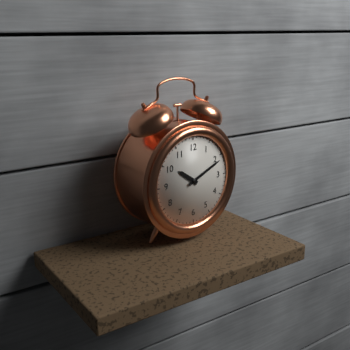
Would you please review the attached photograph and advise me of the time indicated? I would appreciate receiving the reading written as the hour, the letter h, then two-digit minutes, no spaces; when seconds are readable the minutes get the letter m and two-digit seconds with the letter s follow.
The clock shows 10h11
